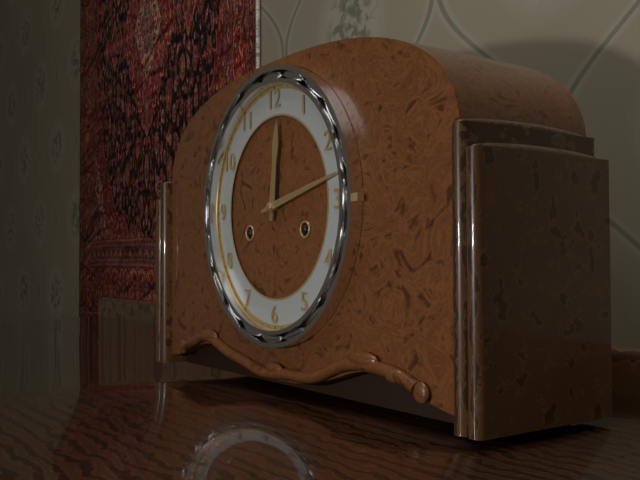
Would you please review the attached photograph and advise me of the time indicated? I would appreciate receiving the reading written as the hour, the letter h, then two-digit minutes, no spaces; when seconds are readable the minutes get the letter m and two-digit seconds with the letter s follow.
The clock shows 12h13
